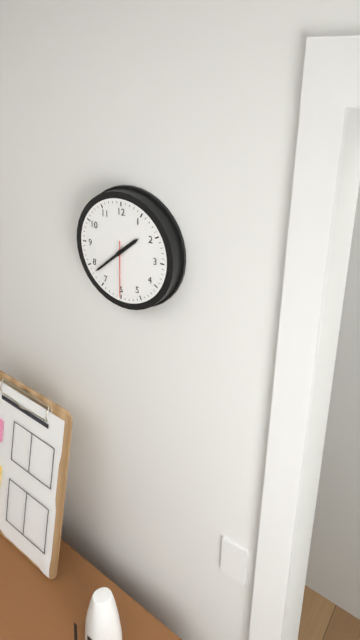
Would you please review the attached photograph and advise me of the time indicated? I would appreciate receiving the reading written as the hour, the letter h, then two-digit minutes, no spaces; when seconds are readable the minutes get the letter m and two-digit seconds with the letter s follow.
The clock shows 1h38m30s
